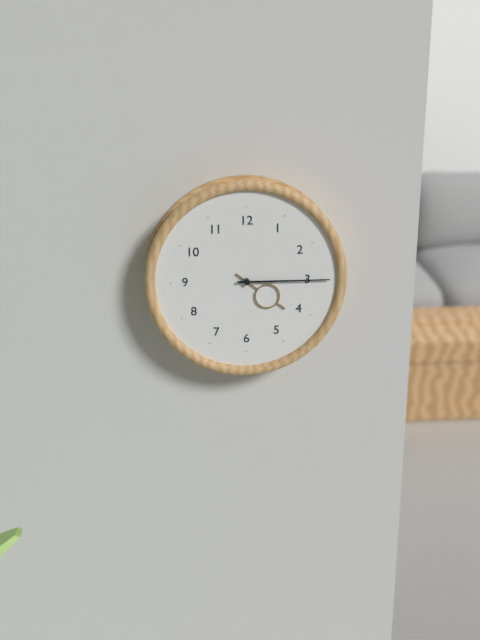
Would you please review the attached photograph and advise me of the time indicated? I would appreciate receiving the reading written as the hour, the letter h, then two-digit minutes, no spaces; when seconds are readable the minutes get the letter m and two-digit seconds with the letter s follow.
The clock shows 4h15
